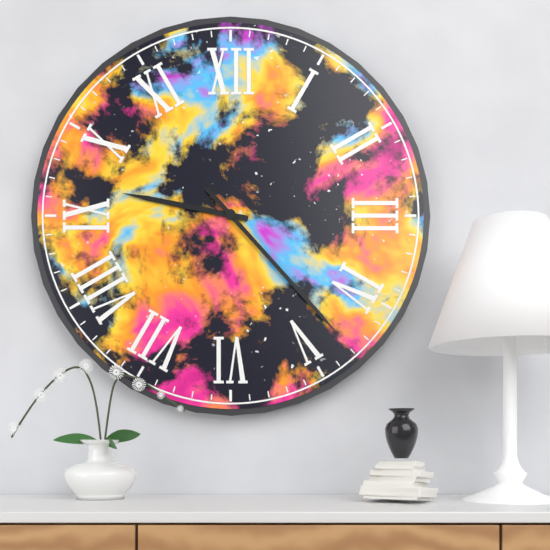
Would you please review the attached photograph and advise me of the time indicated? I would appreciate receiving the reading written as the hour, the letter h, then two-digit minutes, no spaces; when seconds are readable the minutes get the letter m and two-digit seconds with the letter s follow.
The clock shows 9h23
